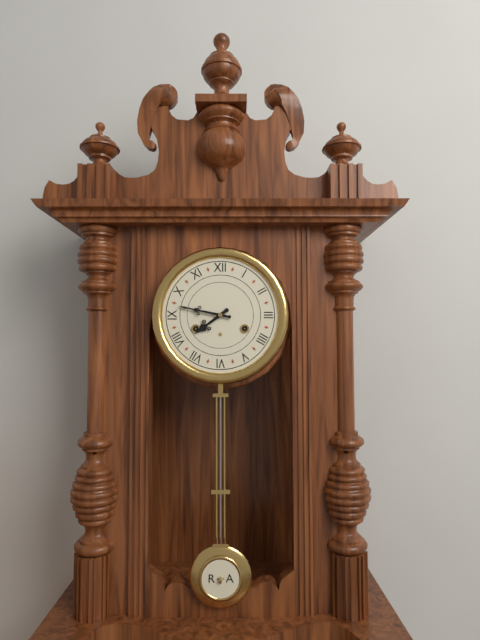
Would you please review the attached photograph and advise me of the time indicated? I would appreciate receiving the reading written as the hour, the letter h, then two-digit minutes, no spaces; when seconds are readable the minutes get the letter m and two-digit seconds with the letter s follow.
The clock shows 7h47
